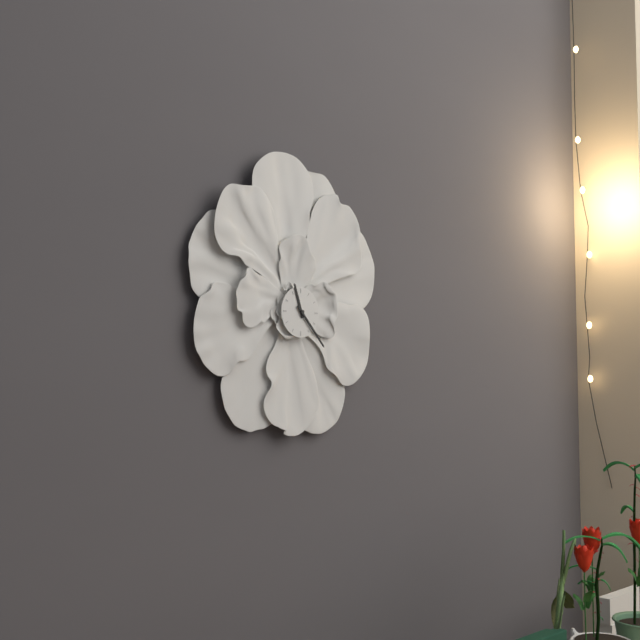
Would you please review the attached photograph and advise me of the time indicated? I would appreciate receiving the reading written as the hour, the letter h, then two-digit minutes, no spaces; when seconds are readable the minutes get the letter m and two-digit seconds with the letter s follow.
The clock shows 11h23
